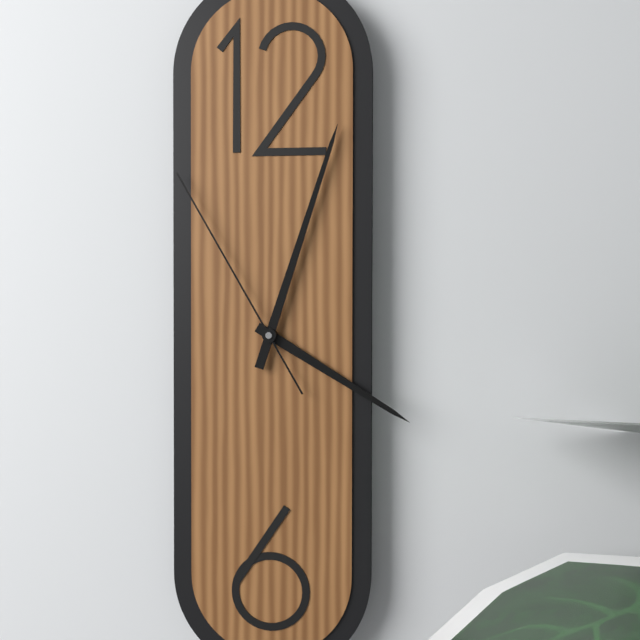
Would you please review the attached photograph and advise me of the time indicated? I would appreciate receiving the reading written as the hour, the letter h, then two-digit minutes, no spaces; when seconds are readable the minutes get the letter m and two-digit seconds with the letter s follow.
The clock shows 4h03m55s
